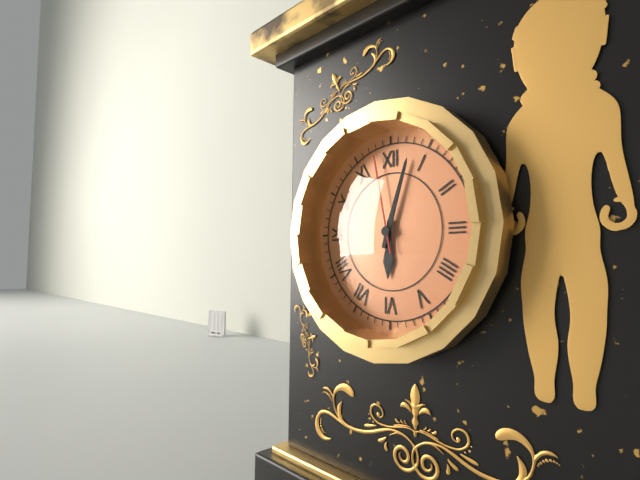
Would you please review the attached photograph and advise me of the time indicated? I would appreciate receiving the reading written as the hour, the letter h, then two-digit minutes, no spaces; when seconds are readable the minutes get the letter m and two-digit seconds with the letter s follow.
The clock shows 6h03m58s
